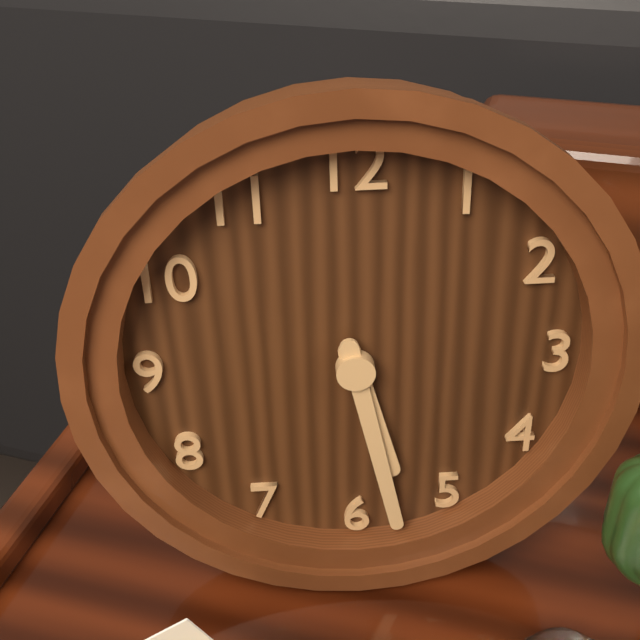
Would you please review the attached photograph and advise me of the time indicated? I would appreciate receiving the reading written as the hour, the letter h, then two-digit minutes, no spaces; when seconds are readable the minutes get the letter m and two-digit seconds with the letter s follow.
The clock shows 5h28
